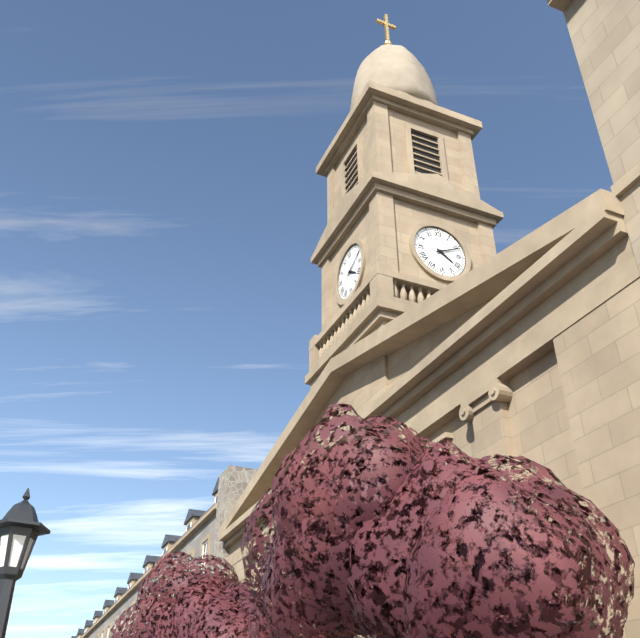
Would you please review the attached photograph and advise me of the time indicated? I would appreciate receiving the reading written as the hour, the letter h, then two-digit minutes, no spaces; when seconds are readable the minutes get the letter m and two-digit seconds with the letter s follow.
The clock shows 4h11
